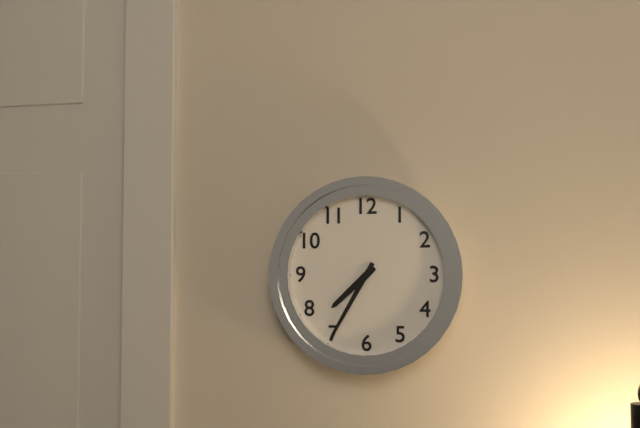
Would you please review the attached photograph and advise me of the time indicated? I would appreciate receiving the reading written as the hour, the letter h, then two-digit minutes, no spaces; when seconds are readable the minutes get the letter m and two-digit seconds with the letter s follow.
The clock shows 7h35
